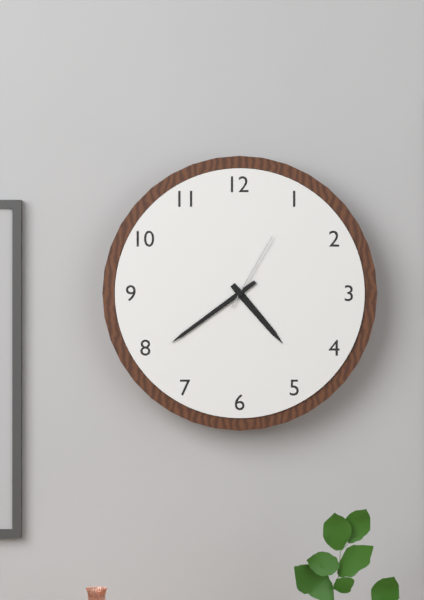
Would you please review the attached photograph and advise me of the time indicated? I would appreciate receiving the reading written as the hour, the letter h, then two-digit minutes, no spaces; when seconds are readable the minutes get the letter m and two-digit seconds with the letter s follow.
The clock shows 4h39m05s
